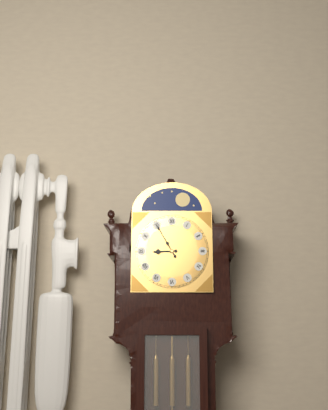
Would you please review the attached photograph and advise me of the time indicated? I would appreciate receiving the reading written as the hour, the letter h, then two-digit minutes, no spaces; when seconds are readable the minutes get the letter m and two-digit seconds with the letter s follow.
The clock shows 8h55
